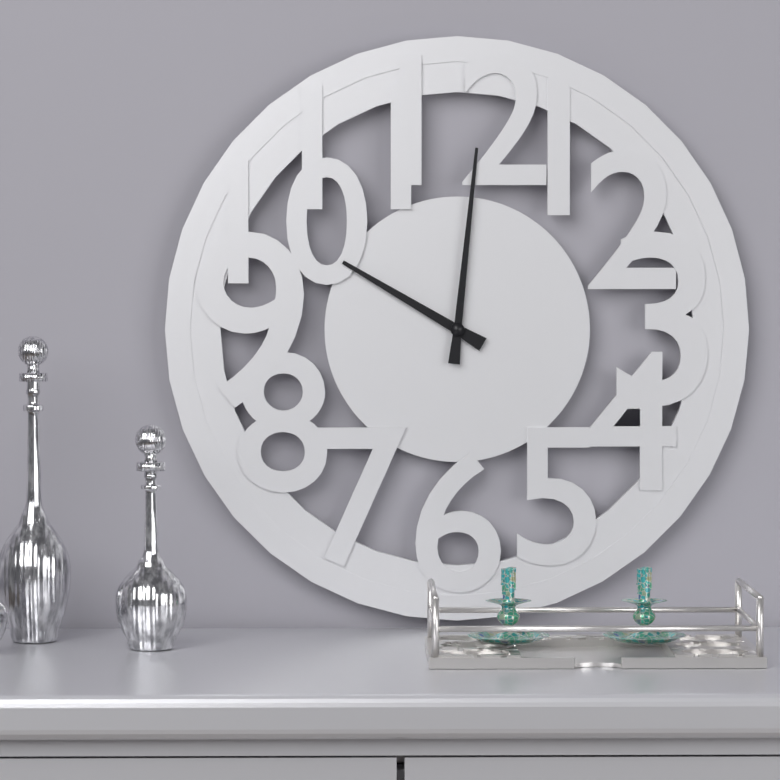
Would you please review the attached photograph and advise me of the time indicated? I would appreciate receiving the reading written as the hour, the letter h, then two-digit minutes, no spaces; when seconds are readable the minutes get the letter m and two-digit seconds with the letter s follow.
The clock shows 10h01
